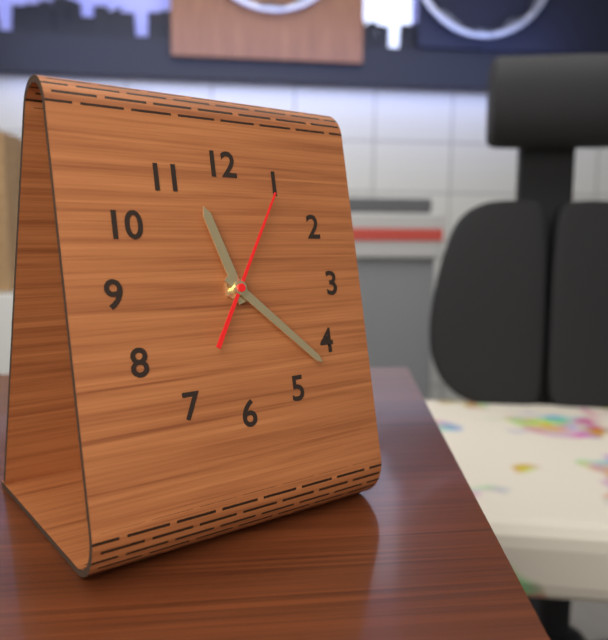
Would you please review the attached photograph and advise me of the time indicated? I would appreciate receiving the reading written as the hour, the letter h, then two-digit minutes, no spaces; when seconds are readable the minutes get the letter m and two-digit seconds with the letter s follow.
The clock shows 11h22m05s
